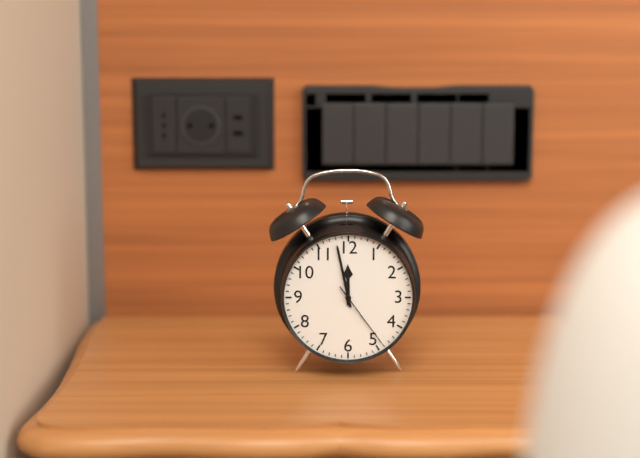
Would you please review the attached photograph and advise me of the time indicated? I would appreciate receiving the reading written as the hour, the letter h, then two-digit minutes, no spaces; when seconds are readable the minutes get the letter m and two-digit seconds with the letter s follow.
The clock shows 11h58m24s
